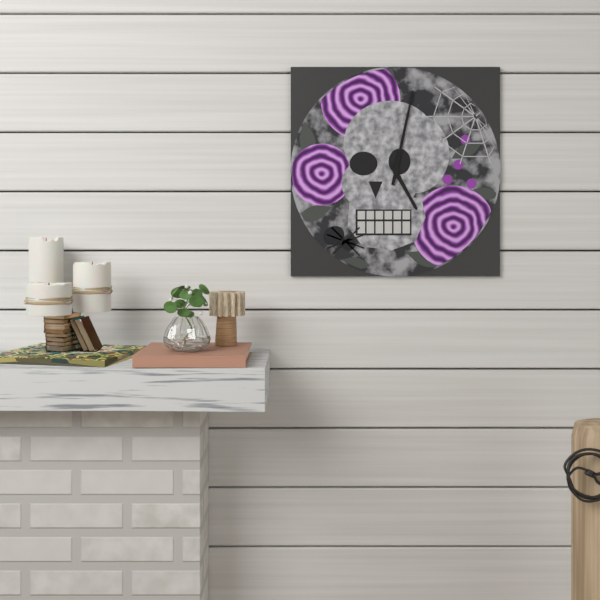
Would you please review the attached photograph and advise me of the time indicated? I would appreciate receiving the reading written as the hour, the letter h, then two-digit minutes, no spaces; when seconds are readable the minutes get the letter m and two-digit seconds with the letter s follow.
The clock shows 5h02
